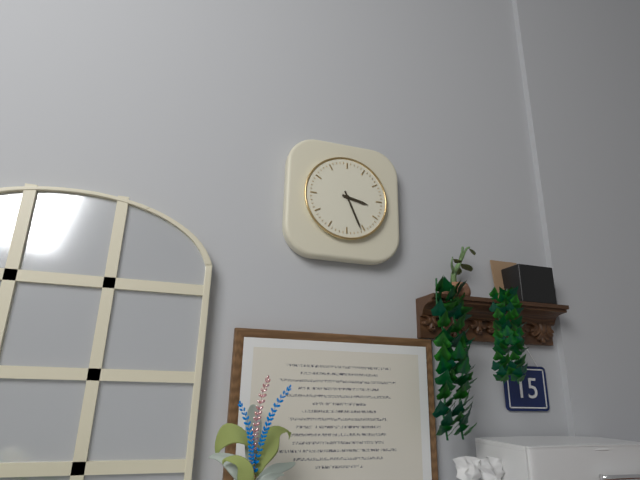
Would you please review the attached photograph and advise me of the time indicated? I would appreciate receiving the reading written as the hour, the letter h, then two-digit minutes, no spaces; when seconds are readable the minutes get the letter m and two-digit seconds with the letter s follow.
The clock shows 3h26
